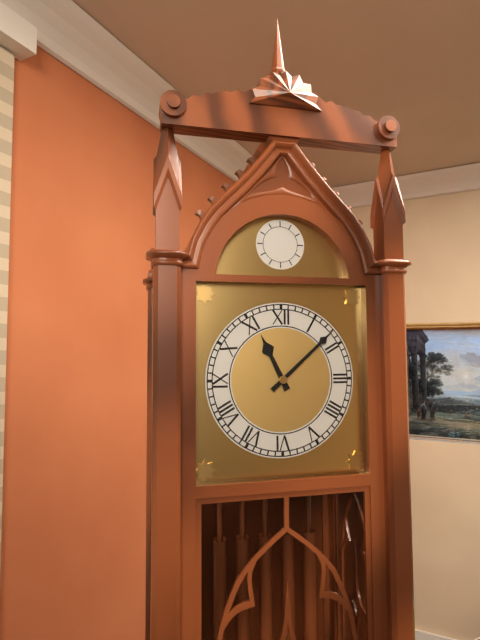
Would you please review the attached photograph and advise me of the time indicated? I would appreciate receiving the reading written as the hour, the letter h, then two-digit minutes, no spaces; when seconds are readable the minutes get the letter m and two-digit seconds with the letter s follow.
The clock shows 11h08
